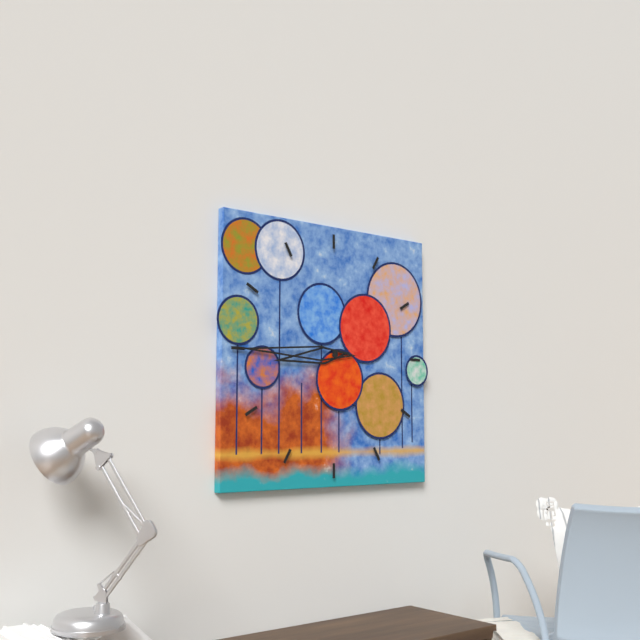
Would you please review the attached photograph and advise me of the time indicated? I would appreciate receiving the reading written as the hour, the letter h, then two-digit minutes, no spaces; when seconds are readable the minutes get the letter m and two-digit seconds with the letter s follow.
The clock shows 8h45
